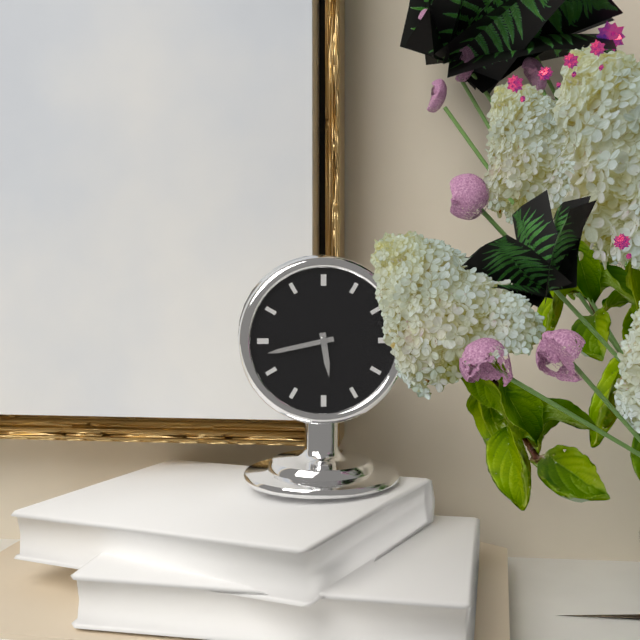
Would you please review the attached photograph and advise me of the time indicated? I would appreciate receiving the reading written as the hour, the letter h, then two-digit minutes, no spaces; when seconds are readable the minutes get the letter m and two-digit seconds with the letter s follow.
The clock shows 5h43
